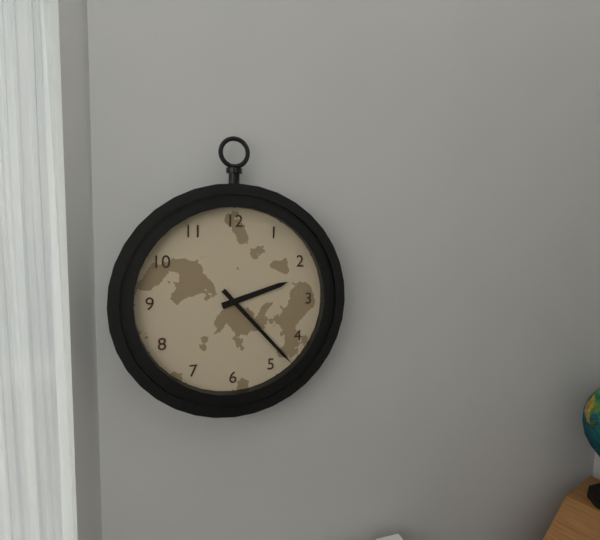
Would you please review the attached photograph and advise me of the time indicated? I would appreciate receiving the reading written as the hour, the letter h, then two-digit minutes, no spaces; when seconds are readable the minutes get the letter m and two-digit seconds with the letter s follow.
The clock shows 2h23
